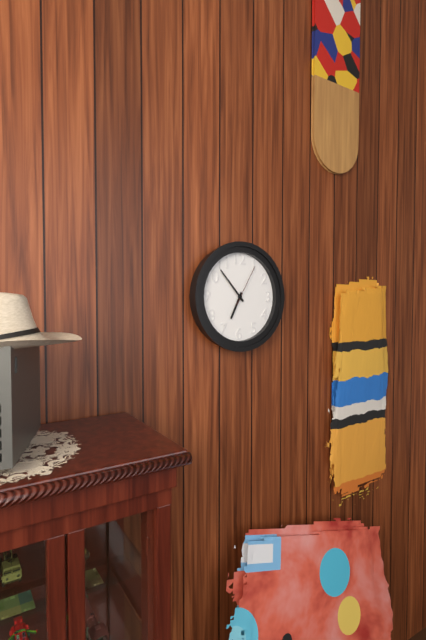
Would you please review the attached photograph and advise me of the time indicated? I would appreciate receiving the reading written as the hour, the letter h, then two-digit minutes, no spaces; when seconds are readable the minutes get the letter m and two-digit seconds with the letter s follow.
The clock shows 6h53
